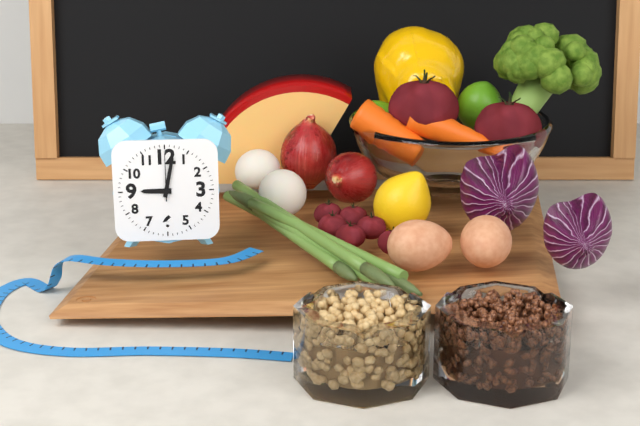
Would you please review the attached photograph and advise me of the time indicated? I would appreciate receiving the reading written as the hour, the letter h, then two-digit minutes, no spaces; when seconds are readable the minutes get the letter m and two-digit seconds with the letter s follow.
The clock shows 9h02m00s
